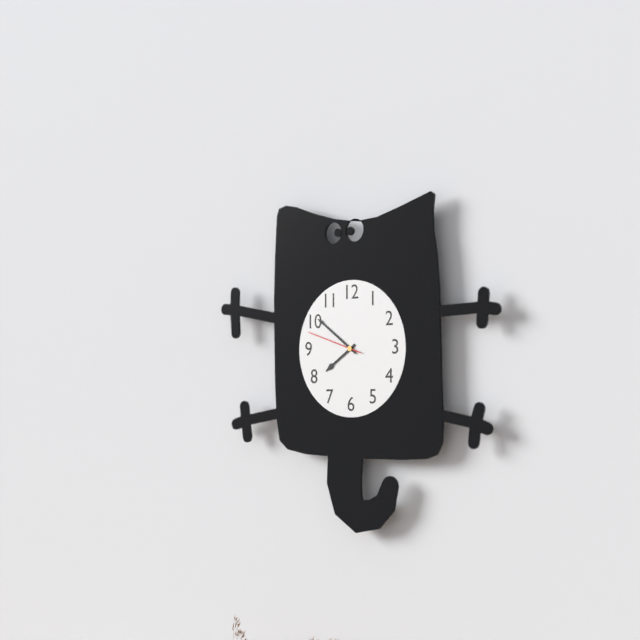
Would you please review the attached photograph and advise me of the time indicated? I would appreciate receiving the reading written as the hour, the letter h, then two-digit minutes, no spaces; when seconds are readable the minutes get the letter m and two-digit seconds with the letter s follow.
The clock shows 7h51m48s
